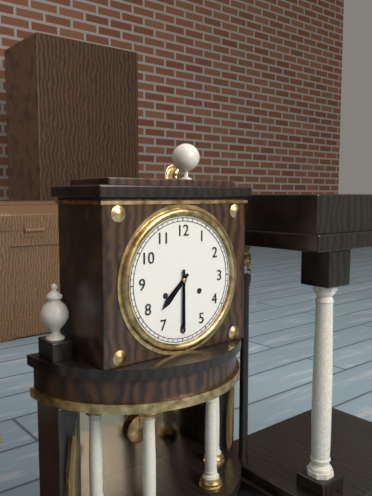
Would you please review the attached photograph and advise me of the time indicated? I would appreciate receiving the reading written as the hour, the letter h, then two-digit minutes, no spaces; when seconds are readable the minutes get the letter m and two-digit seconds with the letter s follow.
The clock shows 7h30
